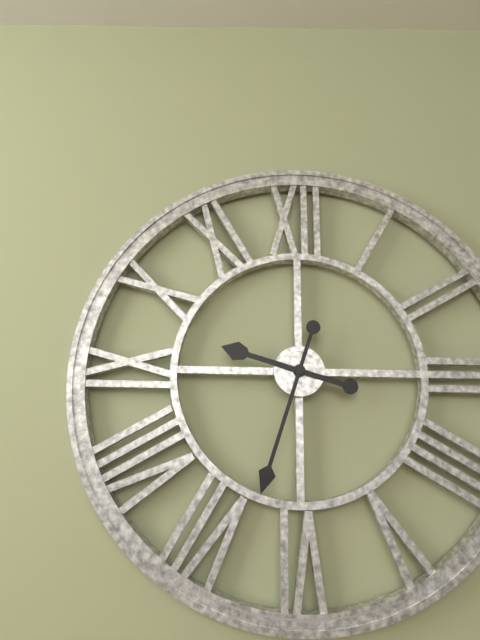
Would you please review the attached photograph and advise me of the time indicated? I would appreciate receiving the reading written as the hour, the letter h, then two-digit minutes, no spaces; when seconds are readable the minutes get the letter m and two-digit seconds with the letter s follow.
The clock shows 9h33
